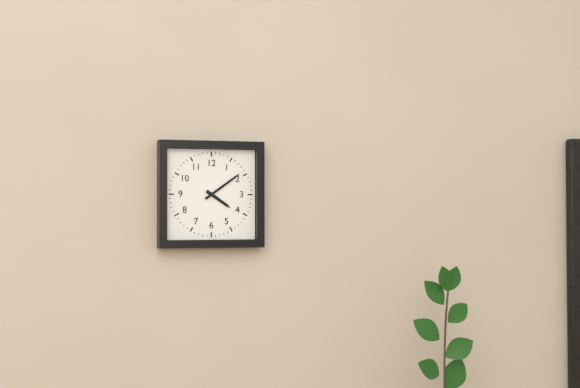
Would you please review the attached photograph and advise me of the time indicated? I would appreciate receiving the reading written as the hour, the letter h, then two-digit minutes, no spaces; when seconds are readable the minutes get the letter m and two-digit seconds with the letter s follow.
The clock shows 4h09
